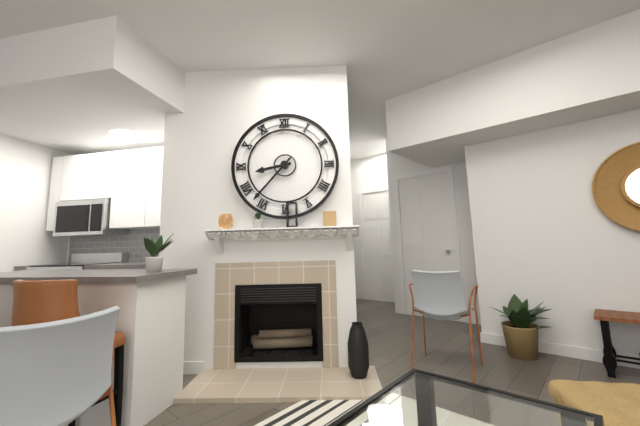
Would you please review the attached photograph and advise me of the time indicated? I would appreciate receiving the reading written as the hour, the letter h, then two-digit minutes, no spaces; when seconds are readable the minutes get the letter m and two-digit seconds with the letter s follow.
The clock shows 8h37
